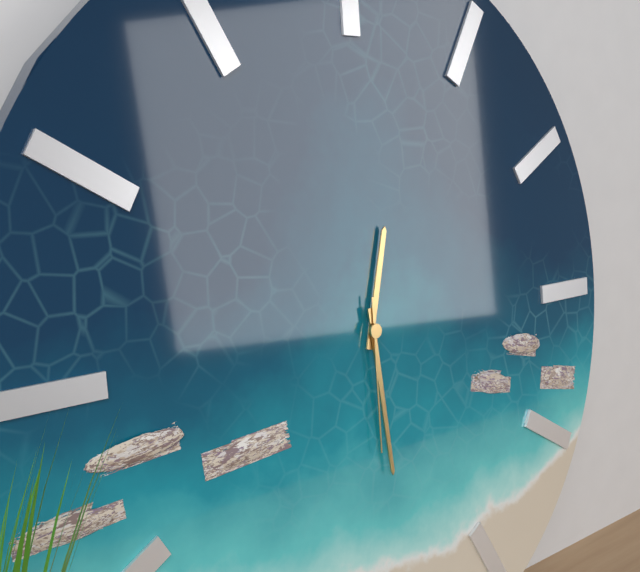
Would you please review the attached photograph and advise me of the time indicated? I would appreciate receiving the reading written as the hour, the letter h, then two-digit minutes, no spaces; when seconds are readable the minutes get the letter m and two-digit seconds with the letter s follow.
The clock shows 12h29m30s
